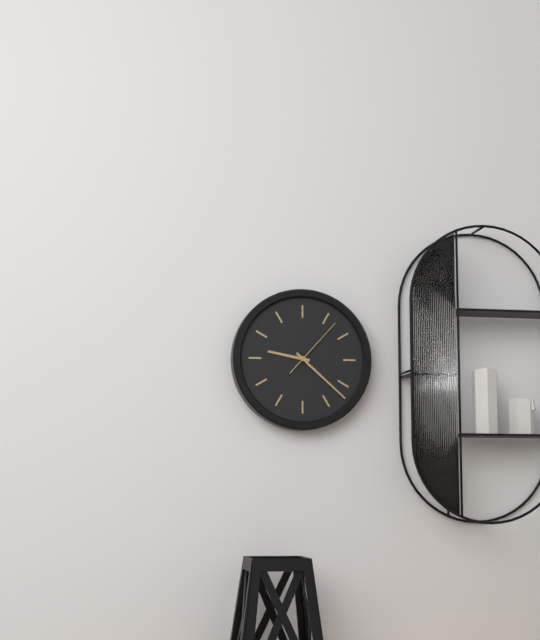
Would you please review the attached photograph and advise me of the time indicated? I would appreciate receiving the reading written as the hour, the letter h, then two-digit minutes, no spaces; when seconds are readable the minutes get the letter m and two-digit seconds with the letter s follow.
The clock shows 9h22m07s
